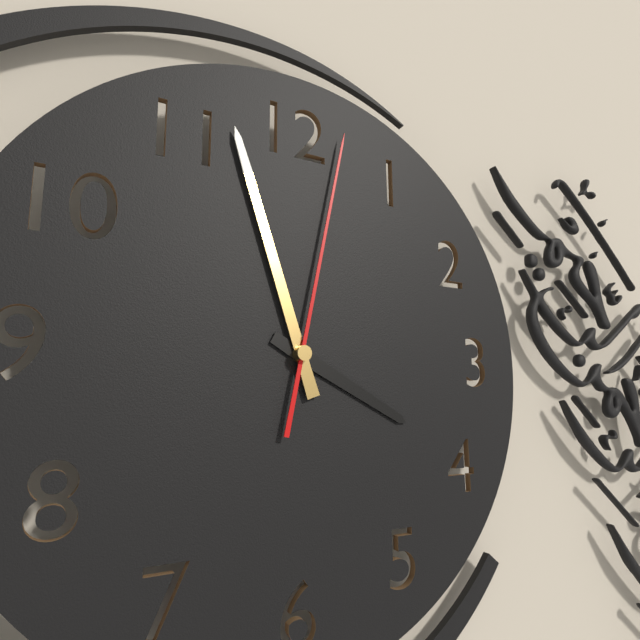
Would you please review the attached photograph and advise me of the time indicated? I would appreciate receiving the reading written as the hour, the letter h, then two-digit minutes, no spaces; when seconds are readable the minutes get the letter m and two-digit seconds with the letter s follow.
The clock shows 3h57m02s
